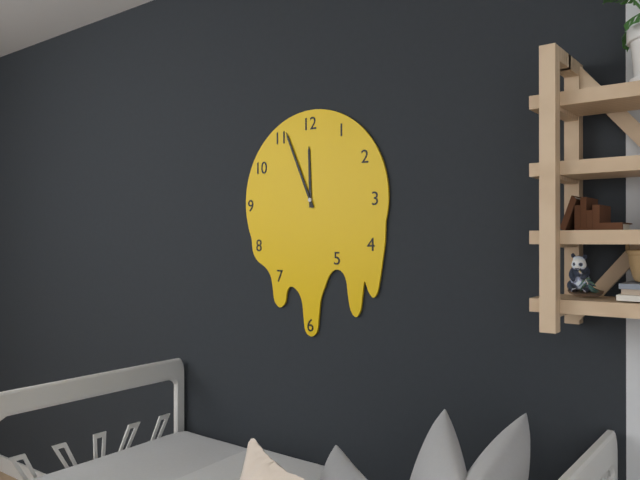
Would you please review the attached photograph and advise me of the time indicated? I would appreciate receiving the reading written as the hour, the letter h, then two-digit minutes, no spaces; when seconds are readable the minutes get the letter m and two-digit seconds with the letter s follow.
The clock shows 11h56
